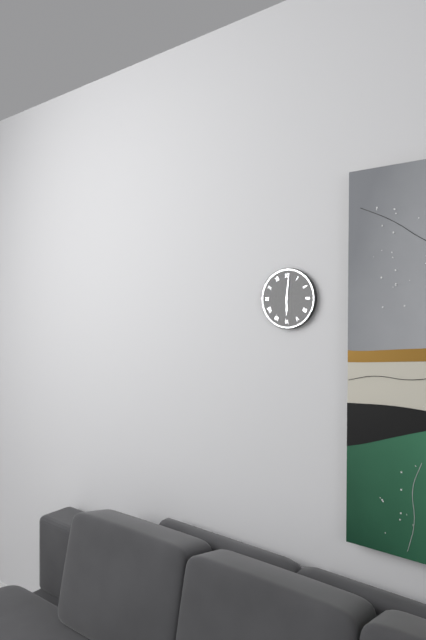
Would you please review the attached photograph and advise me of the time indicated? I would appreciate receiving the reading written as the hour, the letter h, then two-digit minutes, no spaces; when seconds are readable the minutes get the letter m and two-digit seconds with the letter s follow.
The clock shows 6h01
